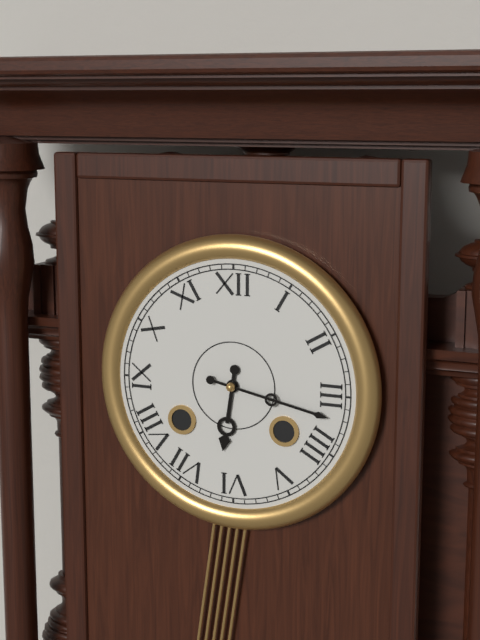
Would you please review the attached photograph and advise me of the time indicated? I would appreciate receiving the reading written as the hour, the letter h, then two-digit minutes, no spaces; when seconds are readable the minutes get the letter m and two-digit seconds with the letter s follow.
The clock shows 6h17
